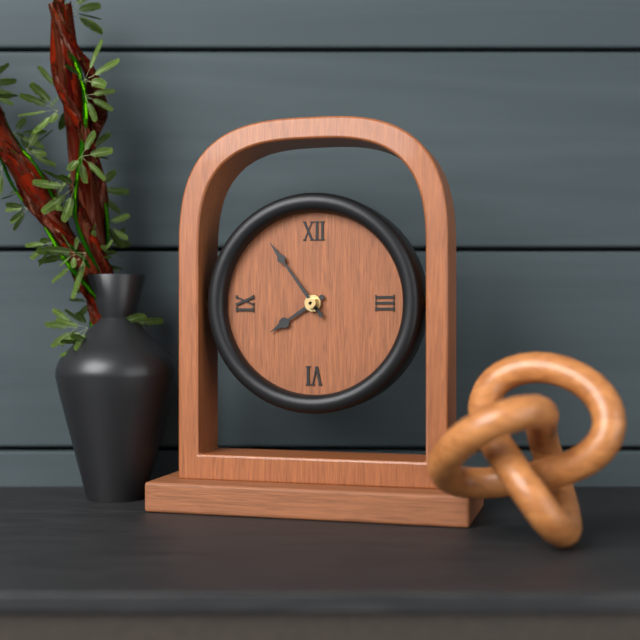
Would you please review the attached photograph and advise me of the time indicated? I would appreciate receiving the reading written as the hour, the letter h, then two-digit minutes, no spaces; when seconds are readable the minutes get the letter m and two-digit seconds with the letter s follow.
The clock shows 7h54
